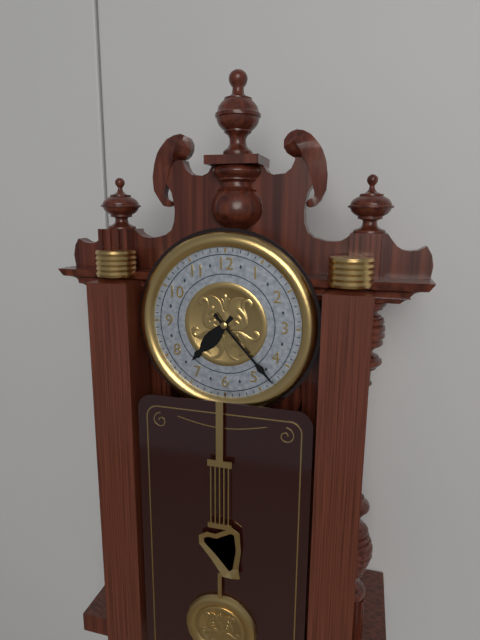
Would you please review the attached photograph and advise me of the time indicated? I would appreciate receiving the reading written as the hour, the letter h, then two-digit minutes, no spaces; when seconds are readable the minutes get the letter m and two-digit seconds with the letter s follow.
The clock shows 7h23
